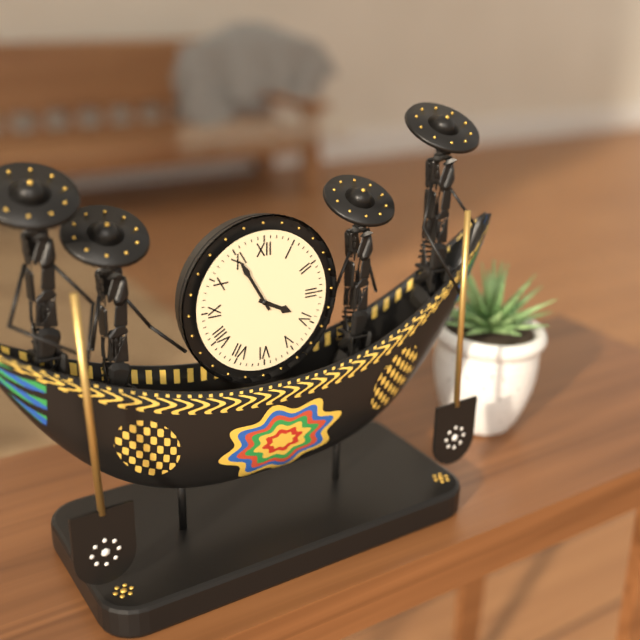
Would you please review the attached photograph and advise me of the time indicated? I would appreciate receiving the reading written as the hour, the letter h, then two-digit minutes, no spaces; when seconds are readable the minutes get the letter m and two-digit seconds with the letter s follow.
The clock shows 3h55
